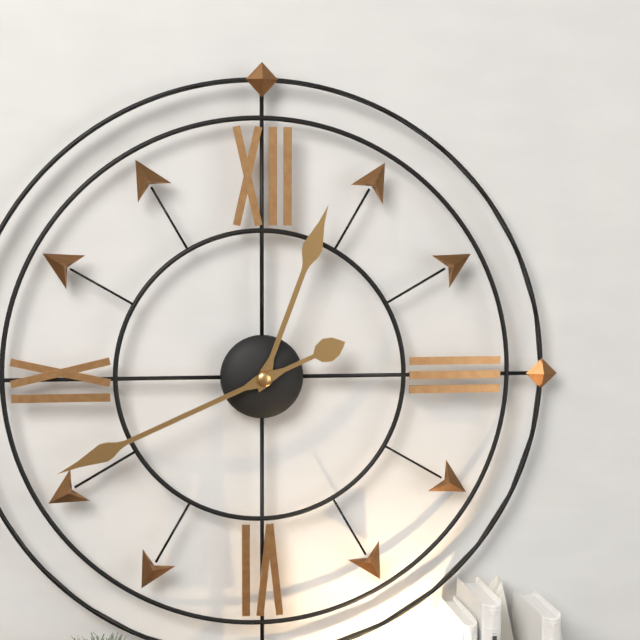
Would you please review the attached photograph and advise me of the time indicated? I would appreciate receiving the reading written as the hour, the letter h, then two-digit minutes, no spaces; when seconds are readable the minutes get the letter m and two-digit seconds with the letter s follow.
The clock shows 12h41
